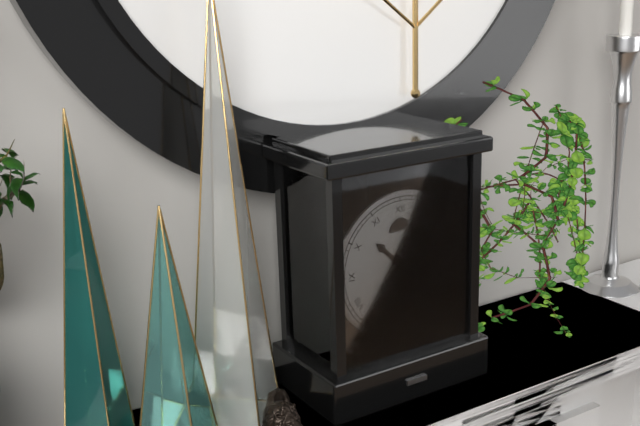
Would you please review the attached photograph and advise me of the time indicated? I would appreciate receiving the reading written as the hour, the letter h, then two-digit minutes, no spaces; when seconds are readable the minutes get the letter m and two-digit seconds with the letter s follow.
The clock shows 10h28
